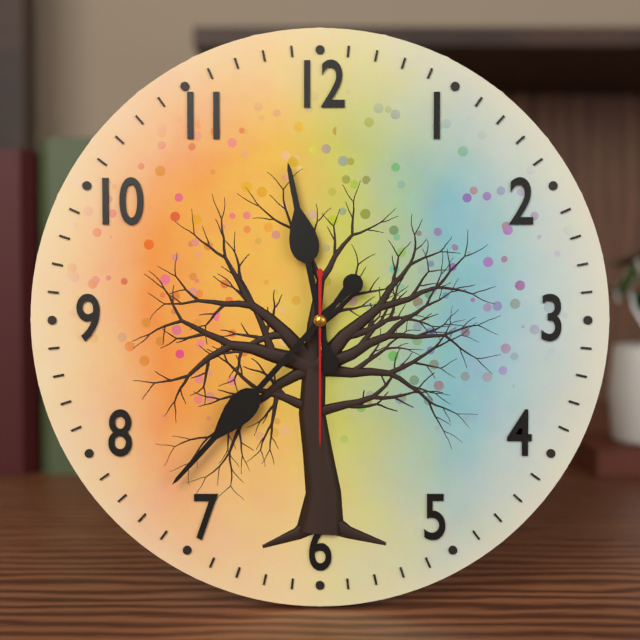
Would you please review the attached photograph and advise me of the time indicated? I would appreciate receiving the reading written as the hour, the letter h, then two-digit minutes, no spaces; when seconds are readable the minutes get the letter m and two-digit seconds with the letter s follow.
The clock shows 11h37m30s
